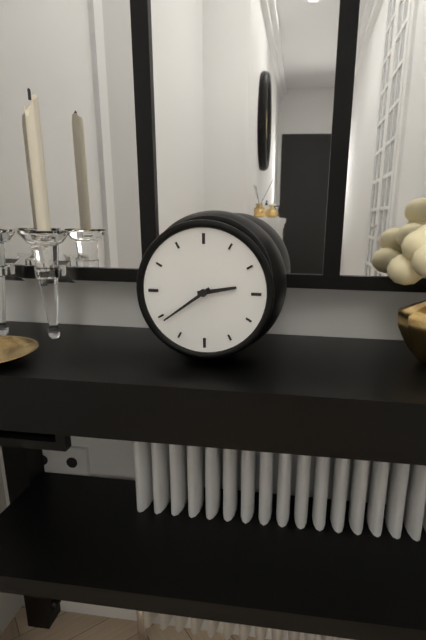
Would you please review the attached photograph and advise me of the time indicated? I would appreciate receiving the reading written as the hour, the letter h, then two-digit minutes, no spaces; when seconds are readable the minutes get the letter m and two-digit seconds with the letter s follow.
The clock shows 2h39
